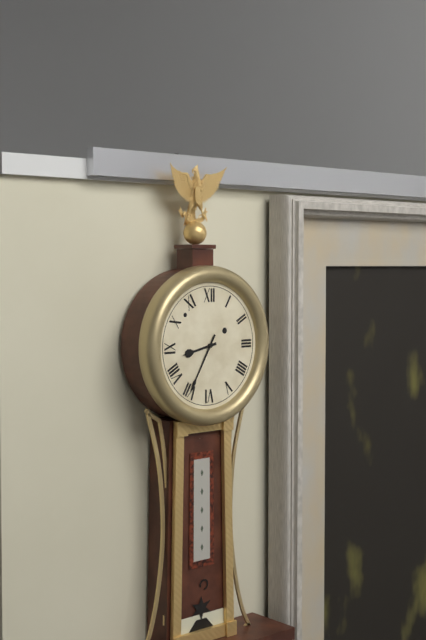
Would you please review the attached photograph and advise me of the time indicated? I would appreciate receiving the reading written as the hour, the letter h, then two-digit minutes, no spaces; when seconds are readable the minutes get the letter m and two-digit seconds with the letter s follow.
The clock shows 8h35
